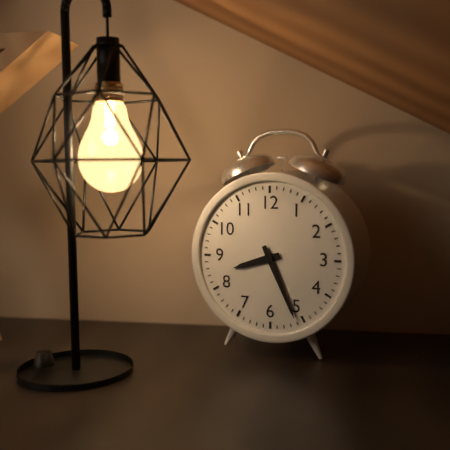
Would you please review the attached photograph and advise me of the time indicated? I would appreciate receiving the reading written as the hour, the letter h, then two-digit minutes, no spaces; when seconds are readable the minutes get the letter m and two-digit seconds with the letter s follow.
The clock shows 8h26
